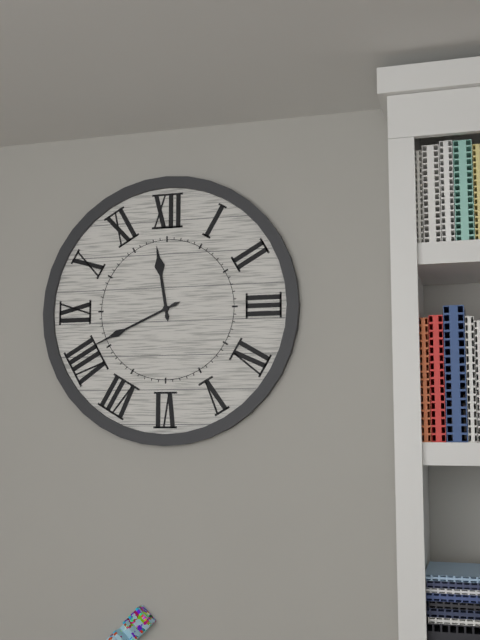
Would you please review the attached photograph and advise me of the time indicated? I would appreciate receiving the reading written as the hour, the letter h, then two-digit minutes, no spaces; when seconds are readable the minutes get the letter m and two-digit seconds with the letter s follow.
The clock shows 11h41
